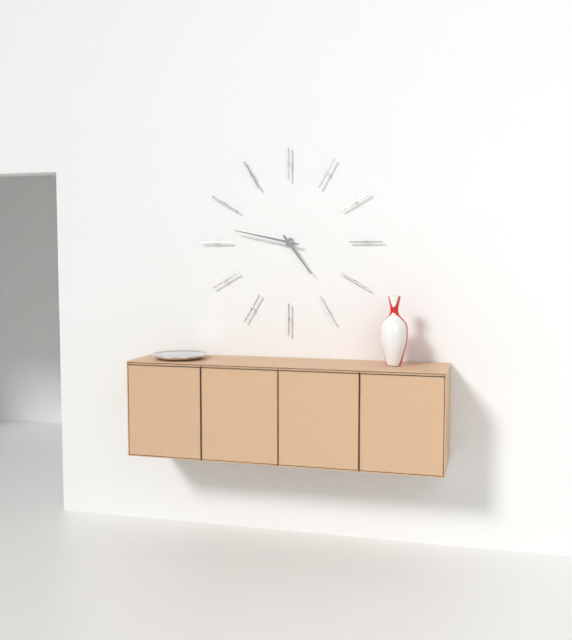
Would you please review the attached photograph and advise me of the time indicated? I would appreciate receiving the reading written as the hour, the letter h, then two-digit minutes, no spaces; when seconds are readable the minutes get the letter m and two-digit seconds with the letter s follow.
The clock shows 4h47
